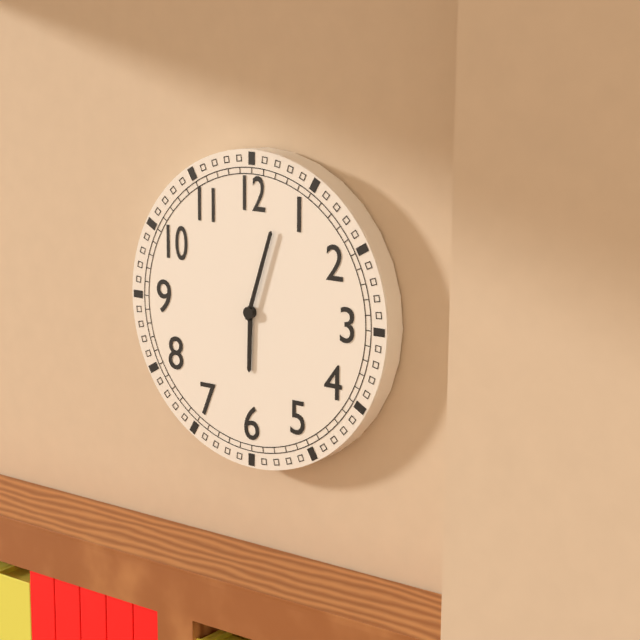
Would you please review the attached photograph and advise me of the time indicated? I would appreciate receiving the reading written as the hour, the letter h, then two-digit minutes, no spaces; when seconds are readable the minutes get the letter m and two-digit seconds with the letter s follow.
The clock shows 6h03
